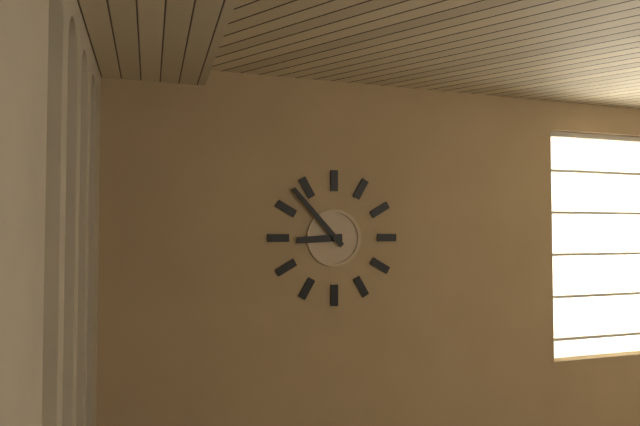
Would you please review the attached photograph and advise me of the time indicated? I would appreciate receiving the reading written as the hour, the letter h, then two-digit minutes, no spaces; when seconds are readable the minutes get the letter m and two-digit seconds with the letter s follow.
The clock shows 8h53
